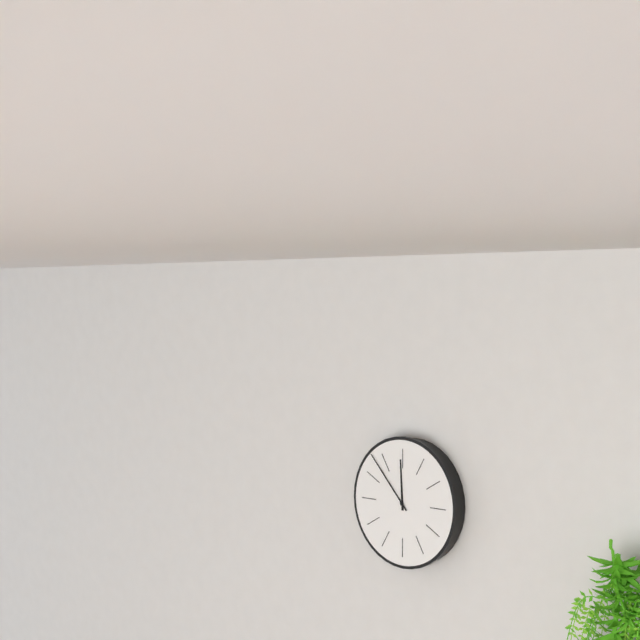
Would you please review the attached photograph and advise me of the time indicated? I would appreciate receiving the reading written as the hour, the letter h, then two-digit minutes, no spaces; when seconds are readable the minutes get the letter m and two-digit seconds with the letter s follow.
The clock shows 11h53
